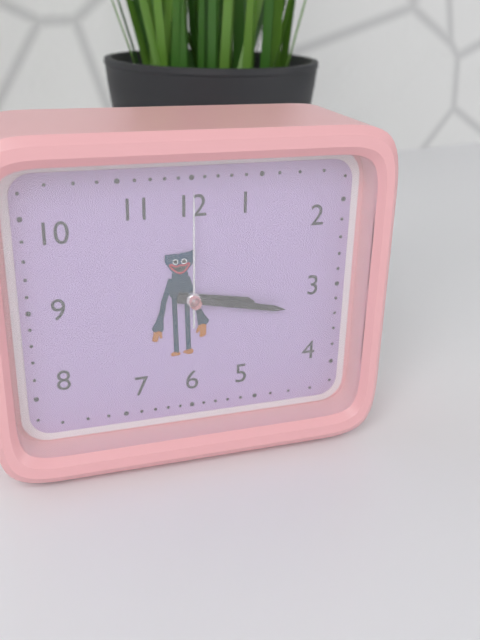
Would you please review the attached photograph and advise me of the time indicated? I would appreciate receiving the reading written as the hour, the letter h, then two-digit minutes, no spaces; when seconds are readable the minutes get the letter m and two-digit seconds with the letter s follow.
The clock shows 3h17m00s
